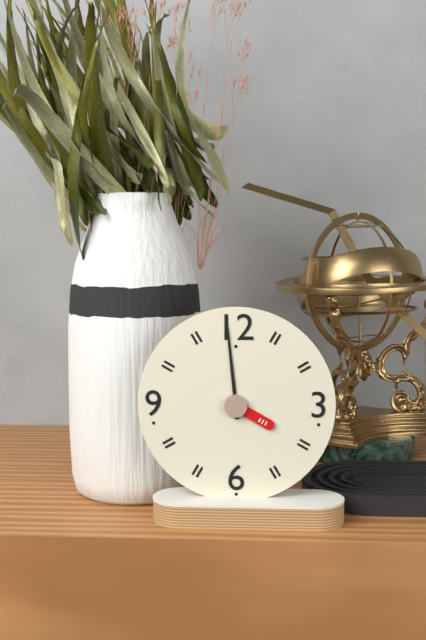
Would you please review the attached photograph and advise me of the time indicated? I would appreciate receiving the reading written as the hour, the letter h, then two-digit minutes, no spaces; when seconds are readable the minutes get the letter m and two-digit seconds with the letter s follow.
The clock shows 3h59
